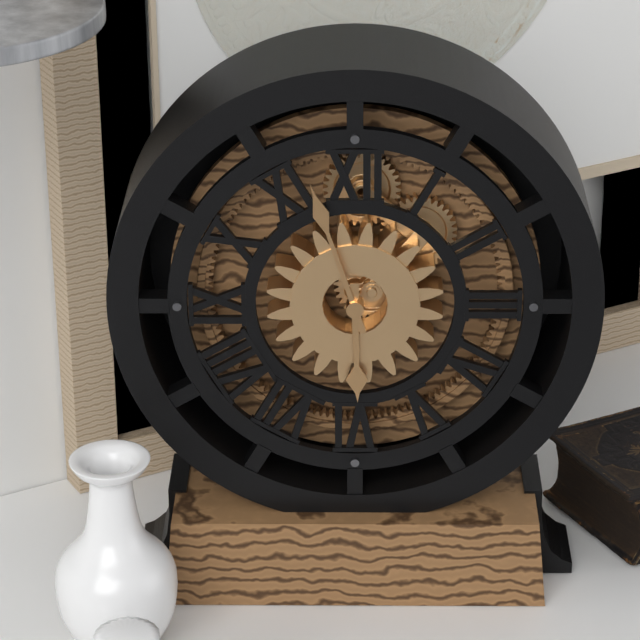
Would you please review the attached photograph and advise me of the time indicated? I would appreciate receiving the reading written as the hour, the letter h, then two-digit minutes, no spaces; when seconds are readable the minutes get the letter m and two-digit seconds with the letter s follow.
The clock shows 5h57
